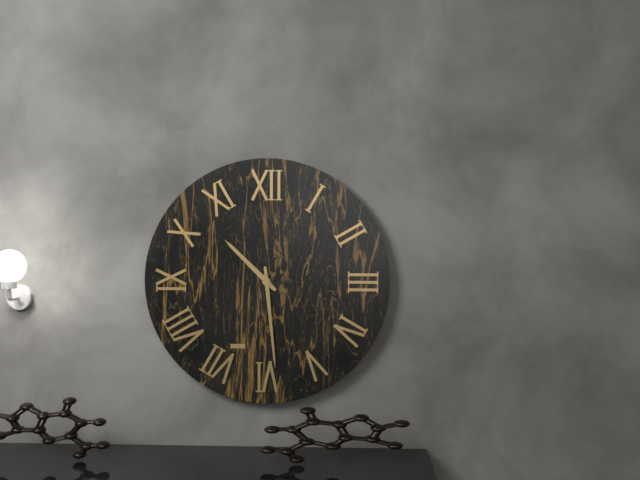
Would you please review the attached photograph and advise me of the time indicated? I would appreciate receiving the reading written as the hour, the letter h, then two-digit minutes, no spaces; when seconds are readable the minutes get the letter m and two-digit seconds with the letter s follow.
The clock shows 10h29
